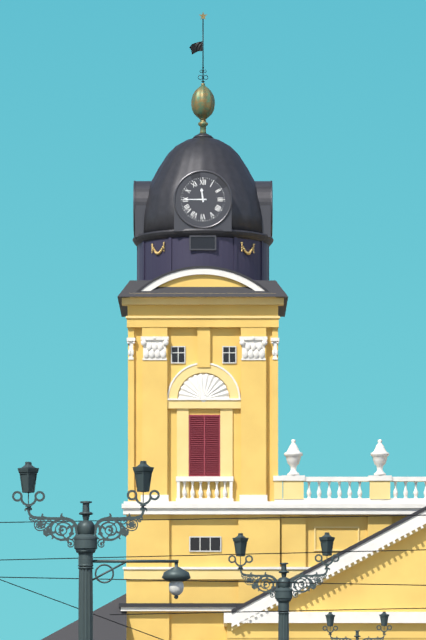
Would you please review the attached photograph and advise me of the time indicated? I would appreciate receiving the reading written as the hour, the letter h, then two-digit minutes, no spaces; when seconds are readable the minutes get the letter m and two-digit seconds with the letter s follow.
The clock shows 11h45
